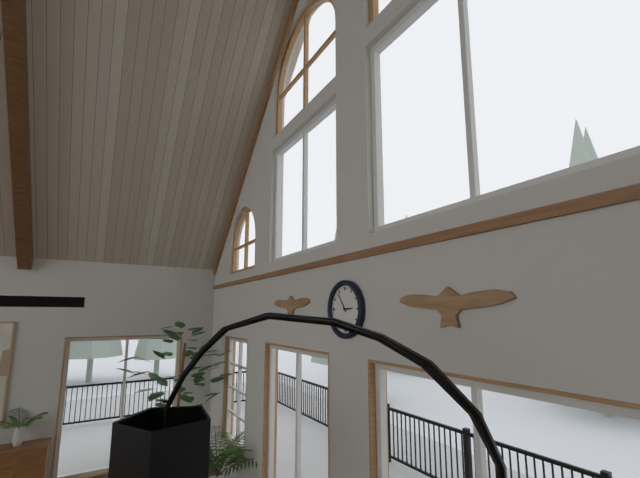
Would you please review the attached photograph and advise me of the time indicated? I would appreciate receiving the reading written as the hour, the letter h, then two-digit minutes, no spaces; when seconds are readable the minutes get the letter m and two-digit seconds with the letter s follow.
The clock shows 2h54
